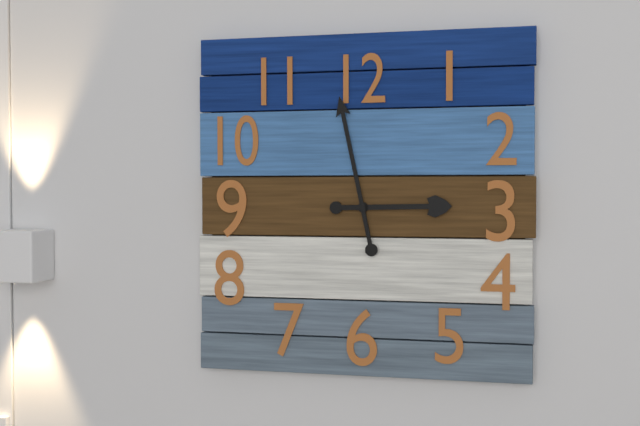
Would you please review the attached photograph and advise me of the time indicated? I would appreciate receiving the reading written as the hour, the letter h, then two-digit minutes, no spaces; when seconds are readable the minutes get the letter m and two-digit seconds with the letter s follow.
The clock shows 2h58
